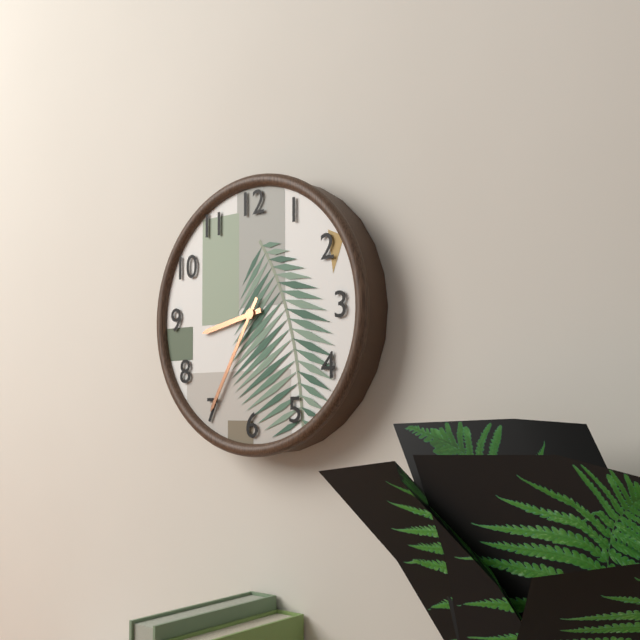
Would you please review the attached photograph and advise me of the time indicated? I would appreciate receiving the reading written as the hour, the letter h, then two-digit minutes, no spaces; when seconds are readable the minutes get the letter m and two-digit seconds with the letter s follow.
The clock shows 8h35
